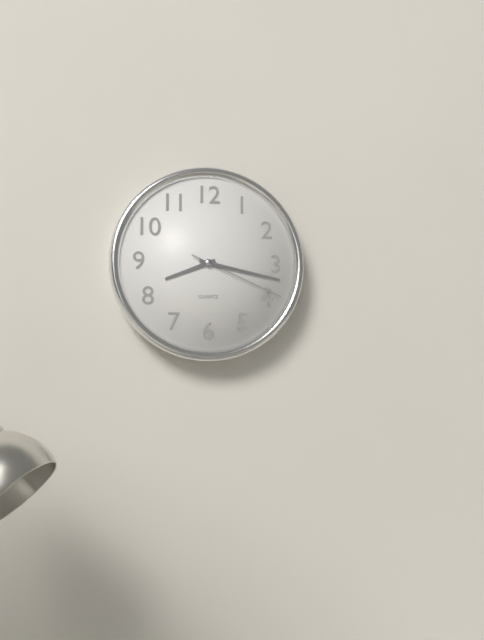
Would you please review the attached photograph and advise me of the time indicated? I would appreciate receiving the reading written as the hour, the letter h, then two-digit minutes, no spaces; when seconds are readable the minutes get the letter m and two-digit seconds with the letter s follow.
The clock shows 8h17m19s
